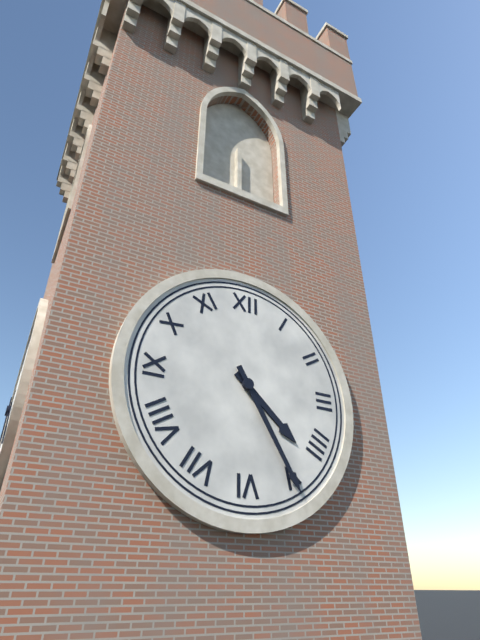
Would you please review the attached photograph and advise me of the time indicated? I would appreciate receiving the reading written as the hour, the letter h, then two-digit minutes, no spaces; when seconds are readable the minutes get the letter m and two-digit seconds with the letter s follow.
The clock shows 4h25
